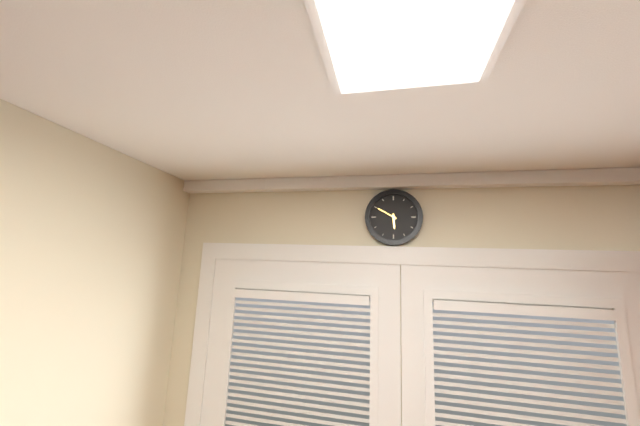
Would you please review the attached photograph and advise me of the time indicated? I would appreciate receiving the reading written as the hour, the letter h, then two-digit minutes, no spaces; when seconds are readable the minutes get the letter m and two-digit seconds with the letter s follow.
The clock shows 5h50
